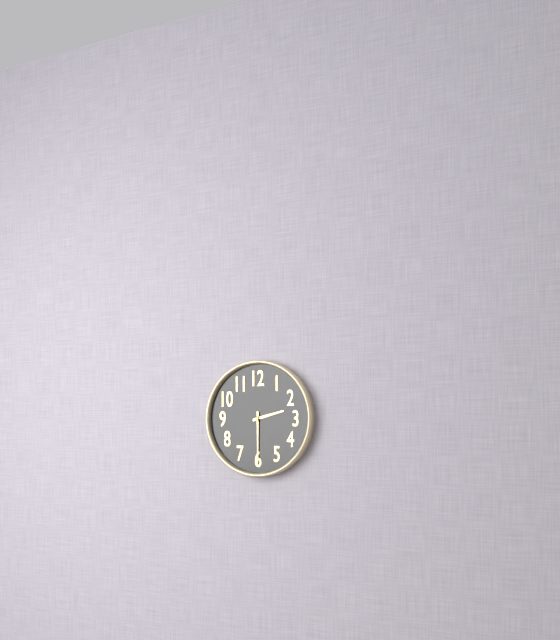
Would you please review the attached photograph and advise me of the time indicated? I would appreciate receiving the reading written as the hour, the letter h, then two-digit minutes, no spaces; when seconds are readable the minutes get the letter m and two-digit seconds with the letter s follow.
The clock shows 2h30
